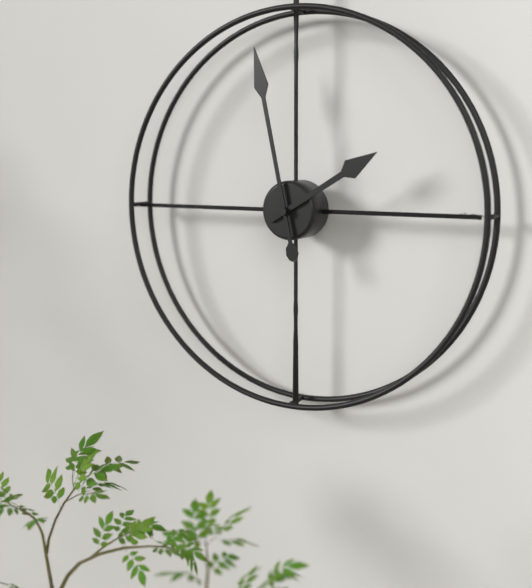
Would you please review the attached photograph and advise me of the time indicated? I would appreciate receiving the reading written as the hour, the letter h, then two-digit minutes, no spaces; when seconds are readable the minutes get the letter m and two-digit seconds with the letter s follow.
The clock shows 1h58
